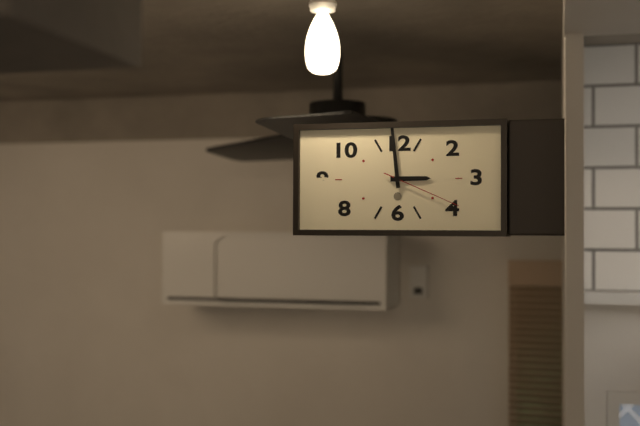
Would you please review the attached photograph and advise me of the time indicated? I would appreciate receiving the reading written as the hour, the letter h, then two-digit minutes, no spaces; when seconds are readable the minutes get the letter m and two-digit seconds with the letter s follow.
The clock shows 2h59m19s
